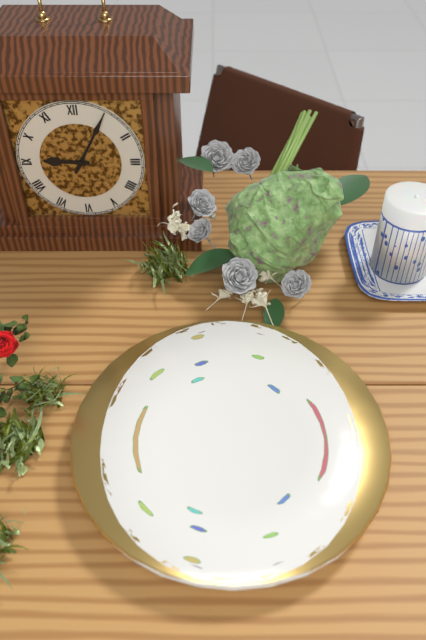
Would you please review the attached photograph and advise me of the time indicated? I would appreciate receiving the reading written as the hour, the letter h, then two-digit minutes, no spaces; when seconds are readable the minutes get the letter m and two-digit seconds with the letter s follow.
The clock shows 9h05
